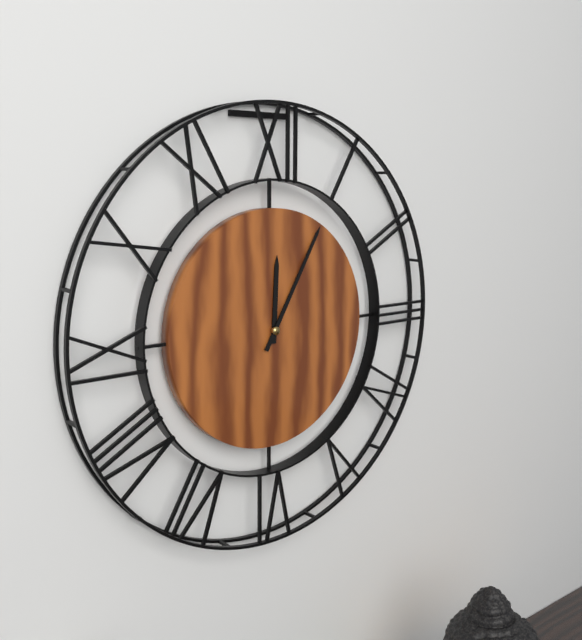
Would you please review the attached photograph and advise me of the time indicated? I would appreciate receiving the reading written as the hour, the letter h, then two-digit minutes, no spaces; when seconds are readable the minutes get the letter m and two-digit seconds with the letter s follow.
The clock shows 12h05
